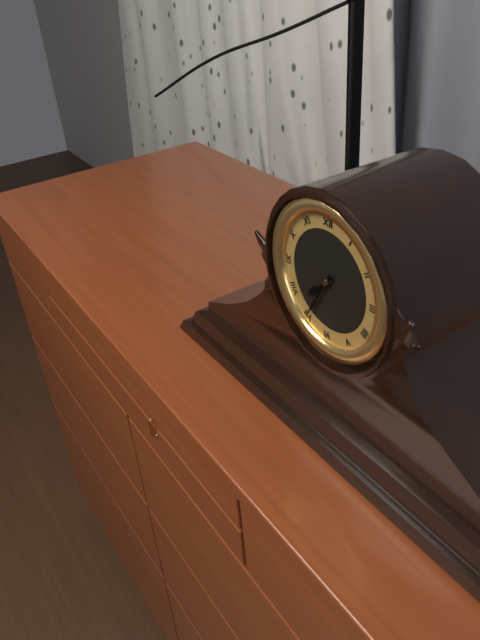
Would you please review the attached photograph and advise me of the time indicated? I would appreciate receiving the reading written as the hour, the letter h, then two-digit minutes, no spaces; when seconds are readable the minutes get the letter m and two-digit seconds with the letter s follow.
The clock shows 7h35
